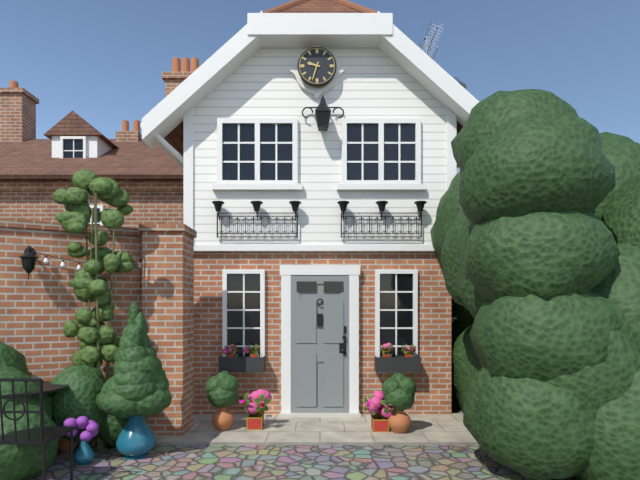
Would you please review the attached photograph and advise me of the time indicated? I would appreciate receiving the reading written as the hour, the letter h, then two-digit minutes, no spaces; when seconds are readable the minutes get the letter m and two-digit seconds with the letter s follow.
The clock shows 9h33
